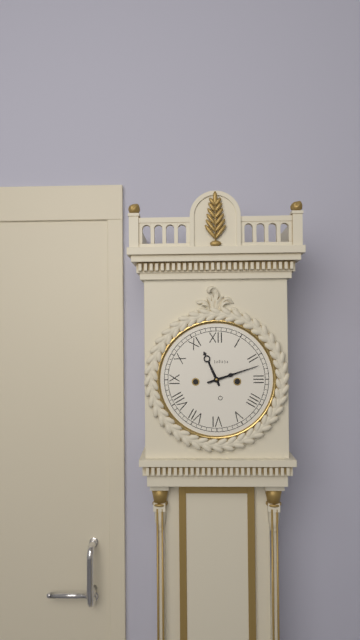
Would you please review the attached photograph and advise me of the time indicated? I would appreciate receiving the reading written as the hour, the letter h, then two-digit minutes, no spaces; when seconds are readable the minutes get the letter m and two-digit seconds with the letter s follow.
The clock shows 11h12
